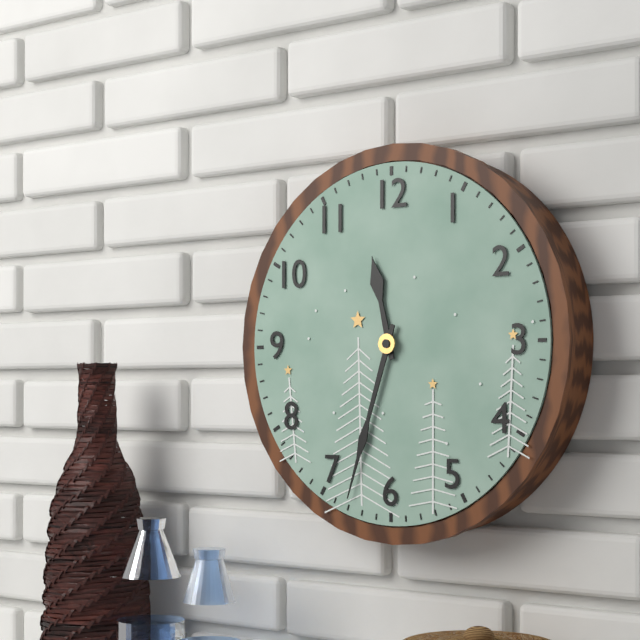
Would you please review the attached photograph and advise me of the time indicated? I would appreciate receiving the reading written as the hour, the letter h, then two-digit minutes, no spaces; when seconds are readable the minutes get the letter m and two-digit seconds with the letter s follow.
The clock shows 11h33
